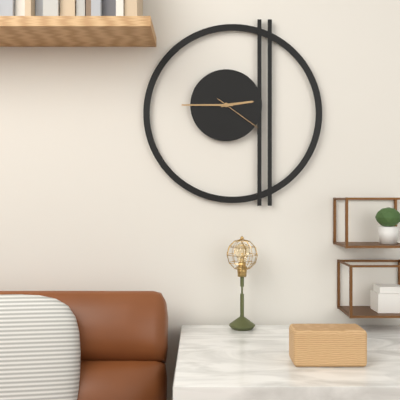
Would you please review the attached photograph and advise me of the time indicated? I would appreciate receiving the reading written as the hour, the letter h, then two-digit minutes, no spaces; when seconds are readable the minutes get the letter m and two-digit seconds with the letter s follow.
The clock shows 2h45
